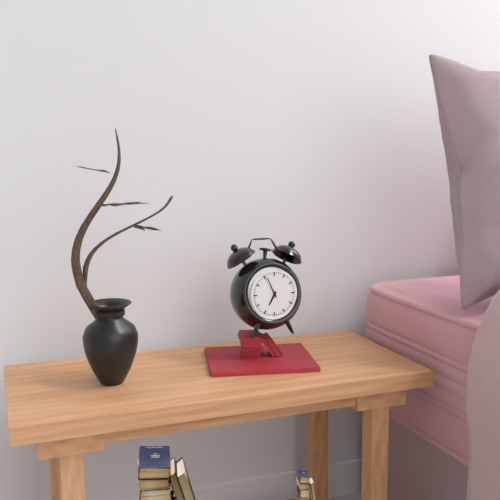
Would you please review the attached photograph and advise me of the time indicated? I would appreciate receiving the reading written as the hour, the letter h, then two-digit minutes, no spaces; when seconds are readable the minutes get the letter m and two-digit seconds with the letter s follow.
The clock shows 6h56
